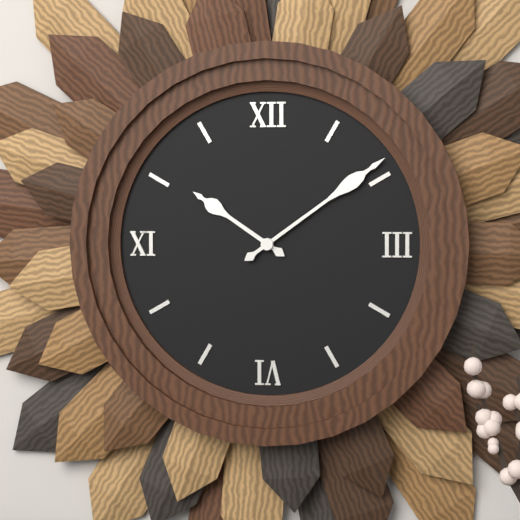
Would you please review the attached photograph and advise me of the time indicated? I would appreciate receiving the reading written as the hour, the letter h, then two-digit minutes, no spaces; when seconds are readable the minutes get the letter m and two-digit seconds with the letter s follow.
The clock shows 10h09
